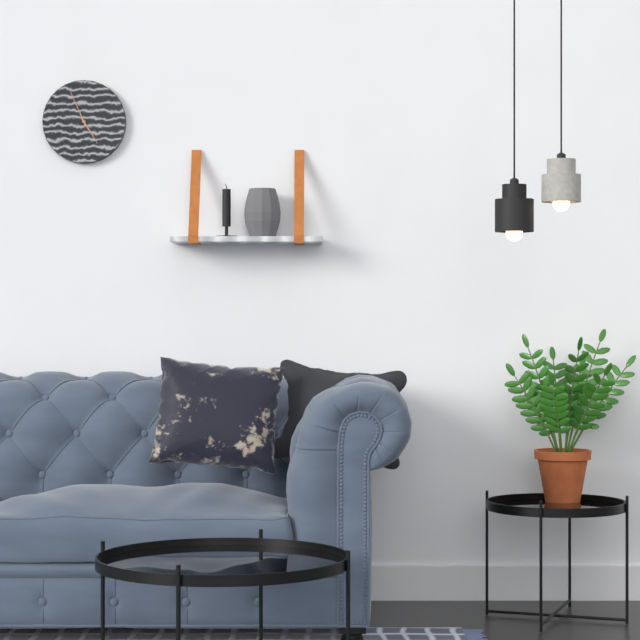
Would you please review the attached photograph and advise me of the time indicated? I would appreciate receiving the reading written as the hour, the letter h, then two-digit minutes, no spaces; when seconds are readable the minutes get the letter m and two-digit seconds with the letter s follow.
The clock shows 4h56
